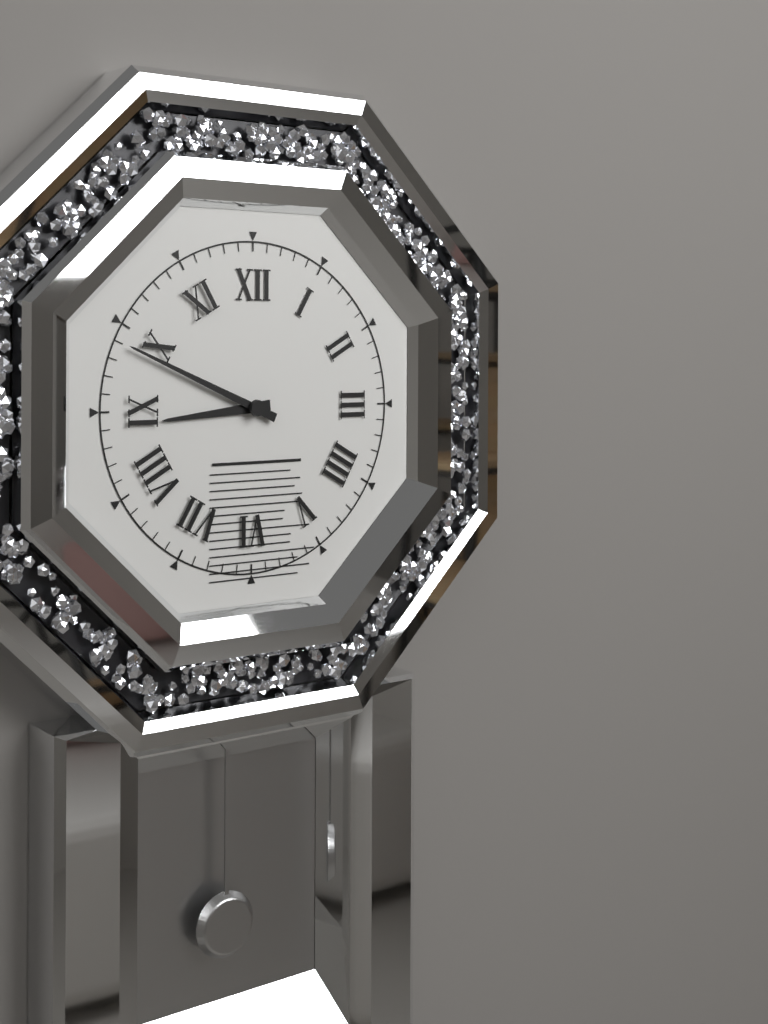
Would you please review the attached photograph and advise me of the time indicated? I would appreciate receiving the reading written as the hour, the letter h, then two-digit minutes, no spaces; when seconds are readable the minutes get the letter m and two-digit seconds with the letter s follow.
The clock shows 8h49
